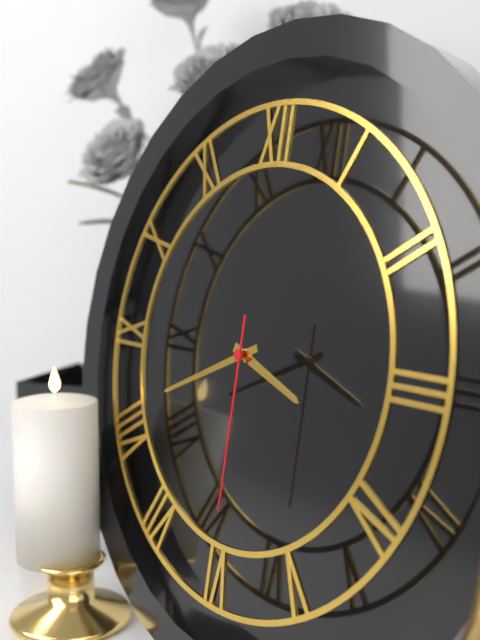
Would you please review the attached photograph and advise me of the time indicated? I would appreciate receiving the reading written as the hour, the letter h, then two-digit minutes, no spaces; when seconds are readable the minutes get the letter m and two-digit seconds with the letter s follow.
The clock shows 3h41m30s
